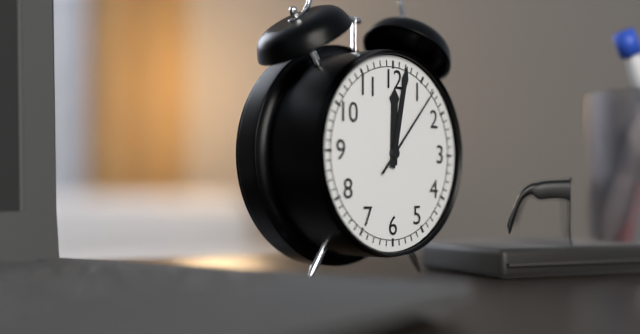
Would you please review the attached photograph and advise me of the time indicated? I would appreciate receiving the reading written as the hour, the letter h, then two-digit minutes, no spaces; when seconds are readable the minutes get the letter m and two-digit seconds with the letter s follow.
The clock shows 12h02m07s
